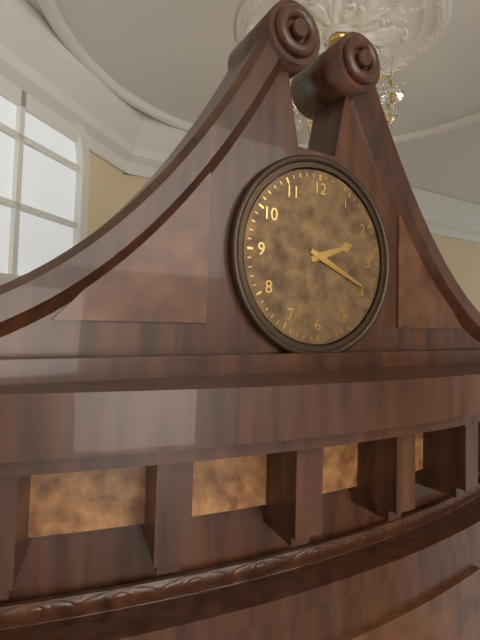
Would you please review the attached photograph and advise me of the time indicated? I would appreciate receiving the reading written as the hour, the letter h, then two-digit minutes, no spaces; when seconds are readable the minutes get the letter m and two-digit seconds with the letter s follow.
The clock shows 2h19
